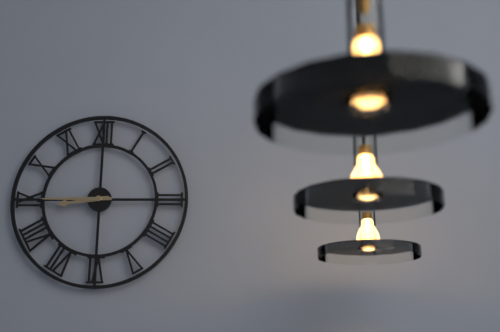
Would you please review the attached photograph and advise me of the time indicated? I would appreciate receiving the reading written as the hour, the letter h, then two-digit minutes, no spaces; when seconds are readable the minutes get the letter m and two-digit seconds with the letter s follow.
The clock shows 8h45
